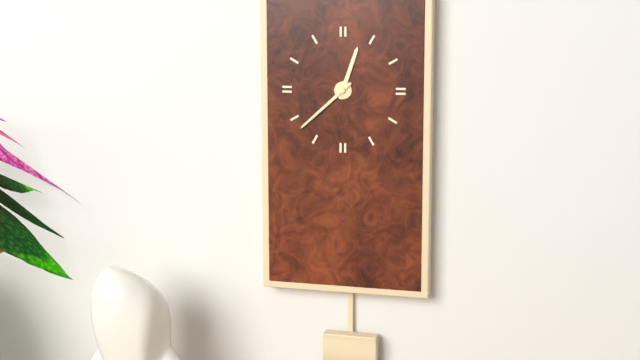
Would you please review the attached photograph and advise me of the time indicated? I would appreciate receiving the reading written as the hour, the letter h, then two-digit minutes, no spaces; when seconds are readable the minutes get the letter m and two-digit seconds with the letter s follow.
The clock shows 12h38
